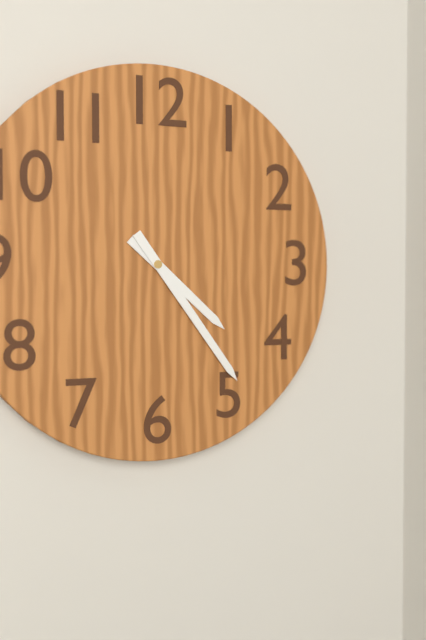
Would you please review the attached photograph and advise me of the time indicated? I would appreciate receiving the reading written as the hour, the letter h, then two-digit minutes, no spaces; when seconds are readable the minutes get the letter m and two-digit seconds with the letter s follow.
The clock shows 4h24
